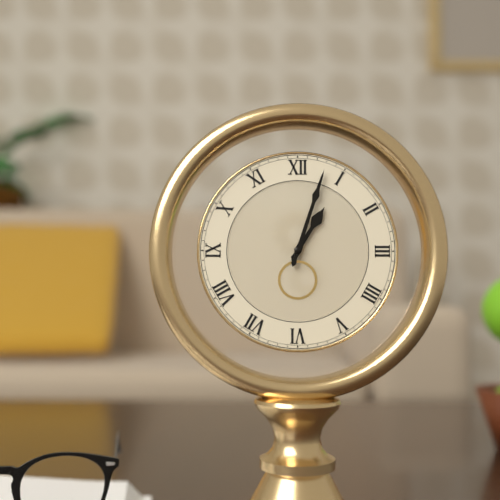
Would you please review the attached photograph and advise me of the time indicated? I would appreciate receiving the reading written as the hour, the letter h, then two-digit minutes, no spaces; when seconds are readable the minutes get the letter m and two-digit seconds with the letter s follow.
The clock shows 1h03
